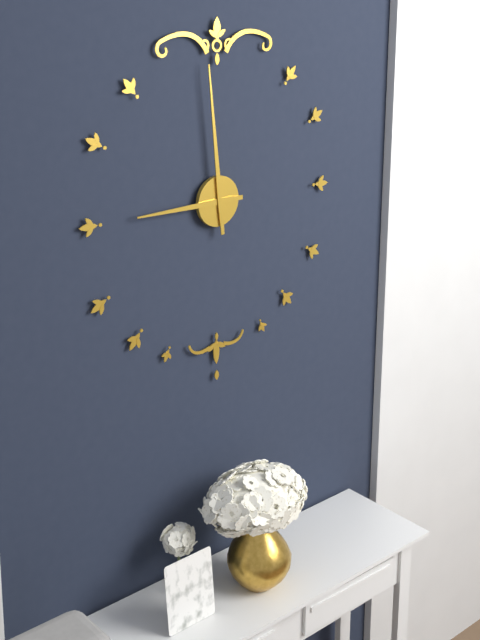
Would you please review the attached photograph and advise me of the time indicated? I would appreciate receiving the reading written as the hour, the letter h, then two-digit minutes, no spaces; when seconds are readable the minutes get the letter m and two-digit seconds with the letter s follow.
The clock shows 8h59
